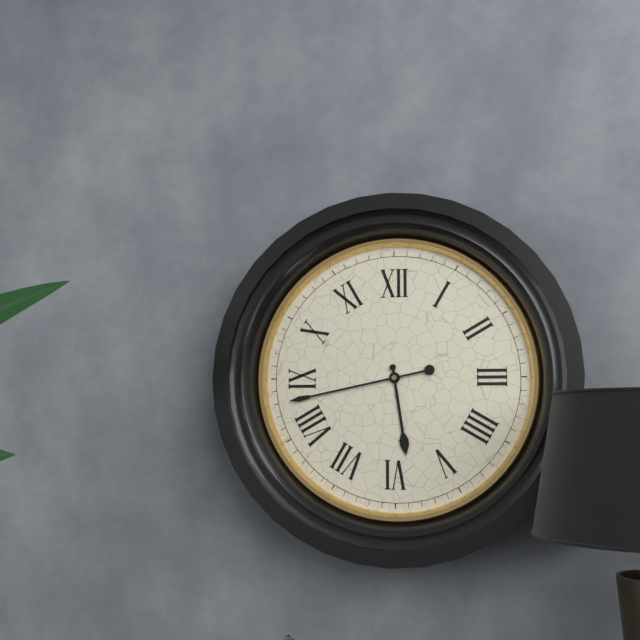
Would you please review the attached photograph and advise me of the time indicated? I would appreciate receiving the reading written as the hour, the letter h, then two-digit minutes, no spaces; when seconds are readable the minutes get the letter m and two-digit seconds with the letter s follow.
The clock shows 5h43
